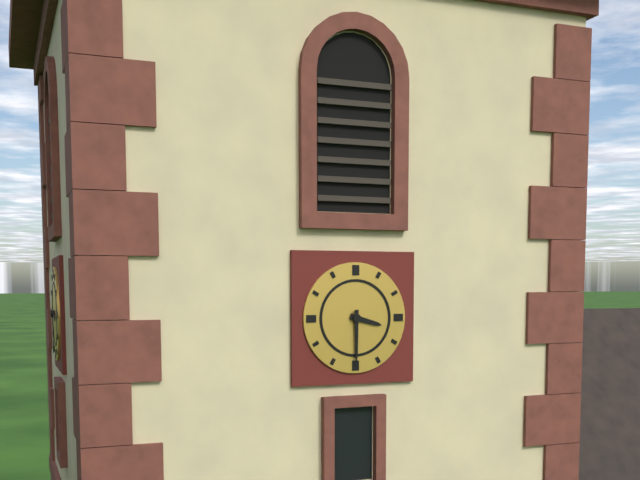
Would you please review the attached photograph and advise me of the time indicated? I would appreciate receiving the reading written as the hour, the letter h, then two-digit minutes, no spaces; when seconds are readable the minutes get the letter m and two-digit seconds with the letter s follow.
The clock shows 3h30
